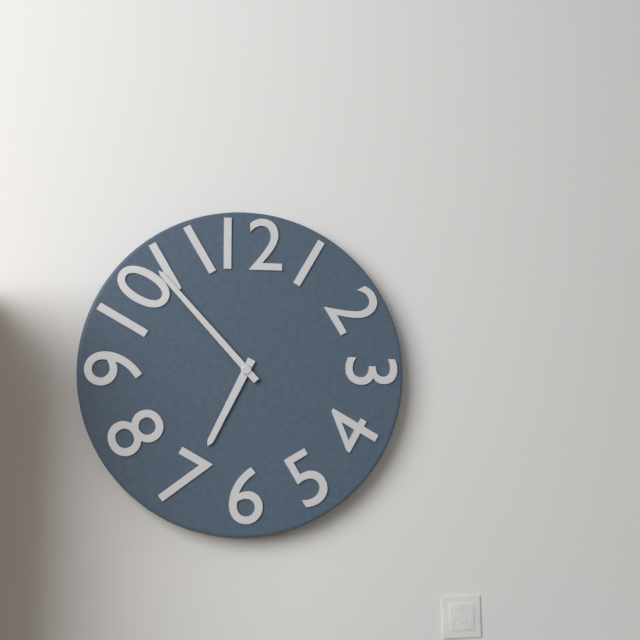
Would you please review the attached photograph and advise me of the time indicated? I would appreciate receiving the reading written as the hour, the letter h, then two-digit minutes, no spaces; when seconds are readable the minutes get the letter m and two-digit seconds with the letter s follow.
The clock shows 6h53
